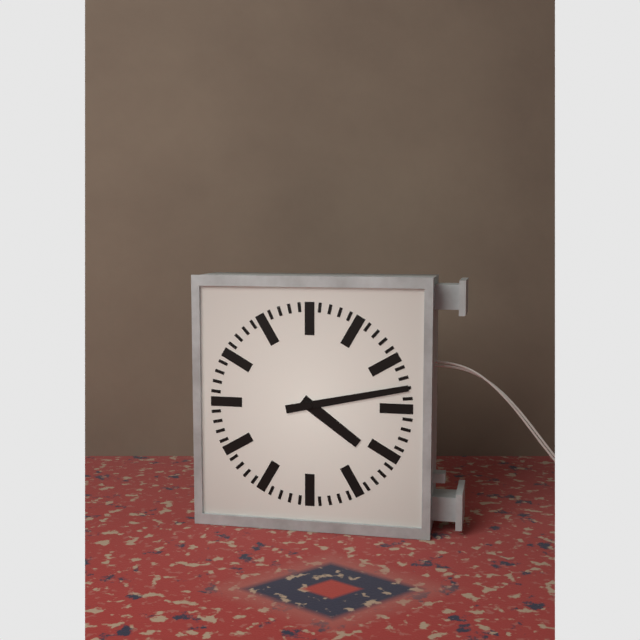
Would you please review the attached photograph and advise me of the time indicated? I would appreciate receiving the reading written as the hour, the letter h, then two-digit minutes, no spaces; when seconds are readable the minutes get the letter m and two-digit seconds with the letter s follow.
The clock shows 4h13
